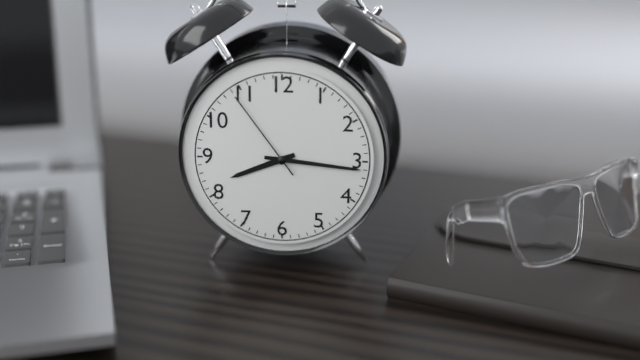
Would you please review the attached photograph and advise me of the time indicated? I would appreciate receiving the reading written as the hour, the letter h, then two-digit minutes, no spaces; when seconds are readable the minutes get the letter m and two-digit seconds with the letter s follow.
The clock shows 8h16m54s
